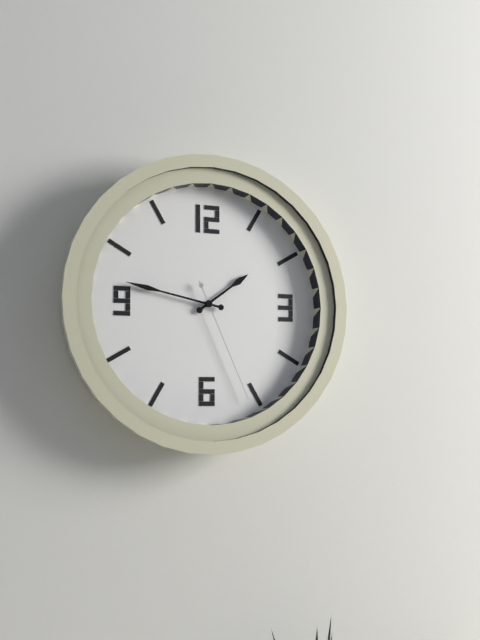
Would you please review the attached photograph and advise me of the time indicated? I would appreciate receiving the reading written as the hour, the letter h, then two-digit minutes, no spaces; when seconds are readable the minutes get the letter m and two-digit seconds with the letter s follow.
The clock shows 1h47m26s
